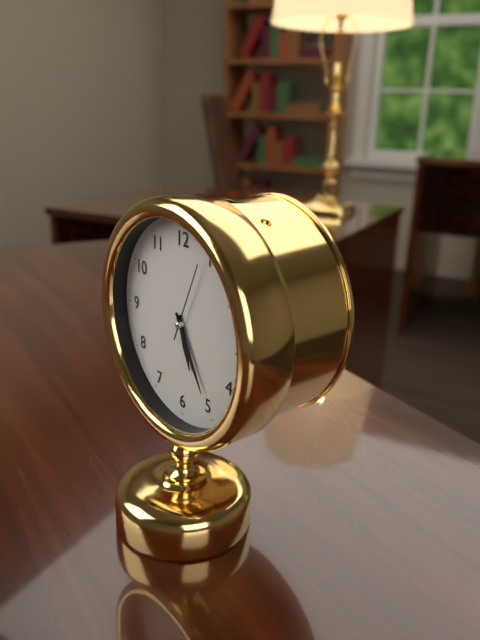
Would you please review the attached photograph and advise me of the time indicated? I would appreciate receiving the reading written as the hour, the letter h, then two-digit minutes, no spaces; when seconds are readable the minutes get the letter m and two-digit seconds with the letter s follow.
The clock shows 5h25m04s
